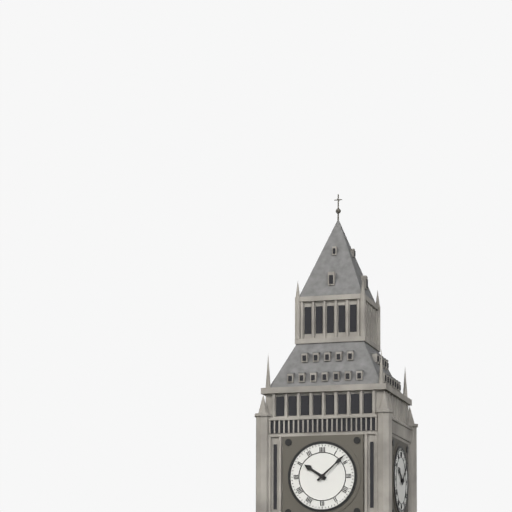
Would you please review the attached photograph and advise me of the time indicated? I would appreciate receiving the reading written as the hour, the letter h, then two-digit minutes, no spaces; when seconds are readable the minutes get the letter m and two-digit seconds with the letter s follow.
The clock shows 10h08
